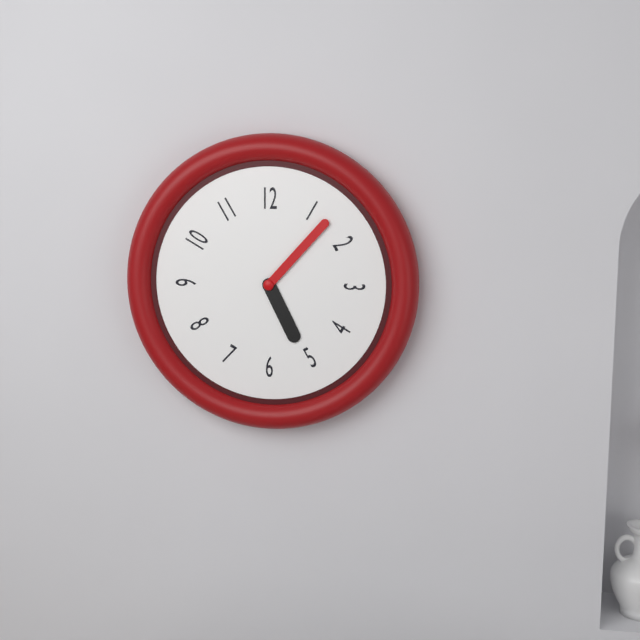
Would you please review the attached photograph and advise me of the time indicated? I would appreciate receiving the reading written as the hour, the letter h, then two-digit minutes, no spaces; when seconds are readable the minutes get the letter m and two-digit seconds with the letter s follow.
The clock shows 5h07
